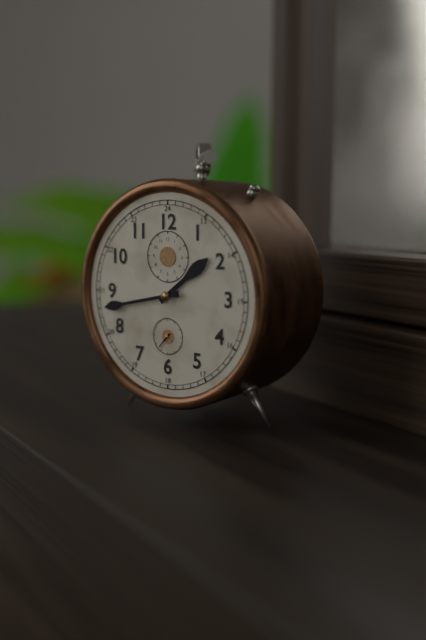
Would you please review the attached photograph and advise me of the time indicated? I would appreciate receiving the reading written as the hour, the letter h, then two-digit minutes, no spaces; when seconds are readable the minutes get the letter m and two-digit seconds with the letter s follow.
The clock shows 1h43
